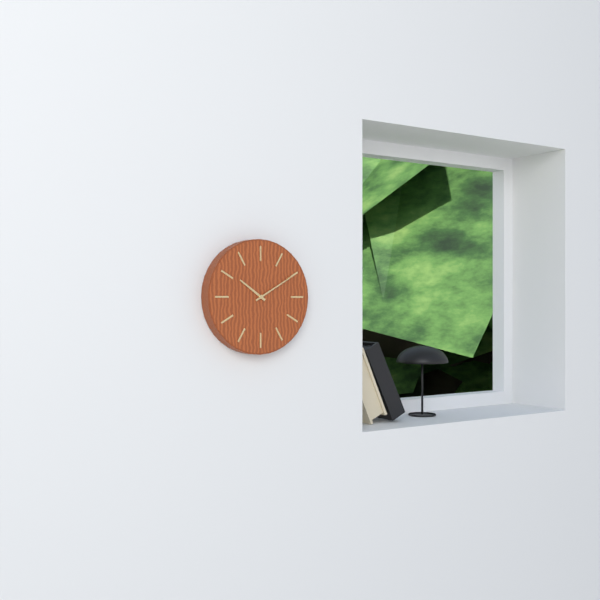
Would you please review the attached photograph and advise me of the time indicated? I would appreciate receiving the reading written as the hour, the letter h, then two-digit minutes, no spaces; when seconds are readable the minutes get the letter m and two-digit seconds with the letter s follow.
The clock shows 10h10
